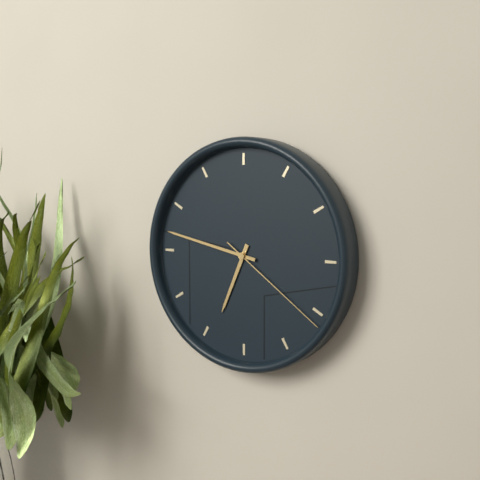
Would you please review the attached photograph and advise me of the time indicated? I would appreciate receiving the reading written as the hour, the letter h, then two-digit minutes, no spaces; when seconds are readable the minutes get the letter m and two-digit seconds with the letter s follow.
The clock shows 6h47m21s
